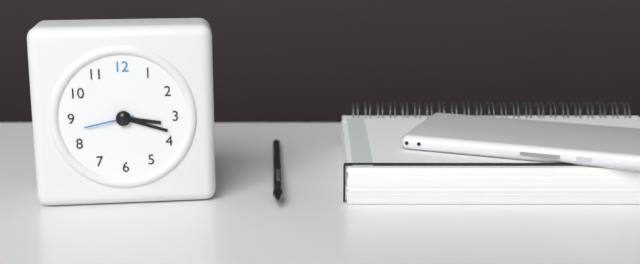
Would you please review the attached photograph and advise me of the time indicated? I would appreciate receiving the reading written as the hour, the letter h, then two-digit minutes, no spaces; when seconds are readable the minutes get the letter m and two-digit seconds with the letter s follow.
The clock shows 3h18m43s
